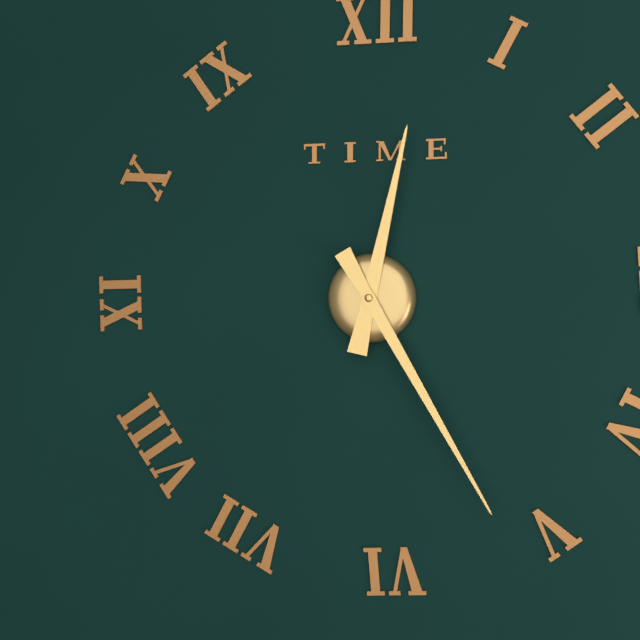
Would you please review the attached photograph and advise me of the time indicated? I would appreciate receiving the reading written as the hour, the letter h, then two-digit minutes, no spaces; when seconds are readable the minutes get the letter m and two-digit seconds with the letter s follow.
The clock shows 12h25
